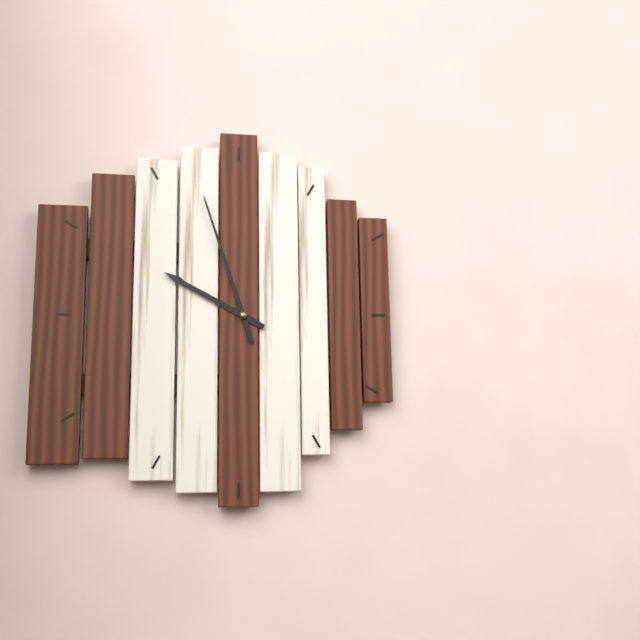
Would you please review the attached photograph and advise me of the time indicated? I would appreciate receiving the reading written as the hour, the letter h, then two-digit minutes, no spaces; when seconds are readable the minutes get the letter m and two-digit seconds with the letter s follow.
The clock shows 9h57
